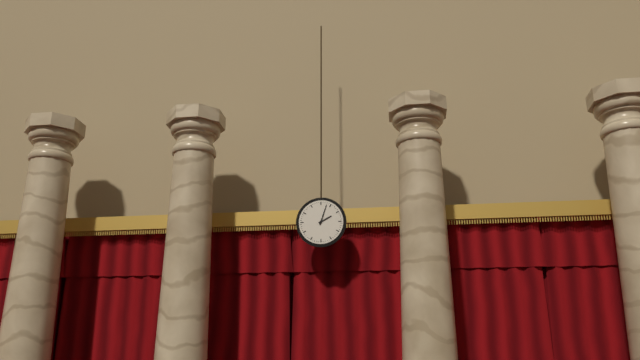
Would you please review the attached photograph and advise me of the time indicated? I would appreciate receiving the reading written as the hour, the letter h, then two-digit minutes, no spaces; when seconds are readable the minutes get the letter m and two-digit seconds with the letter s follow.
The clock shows 2h03
